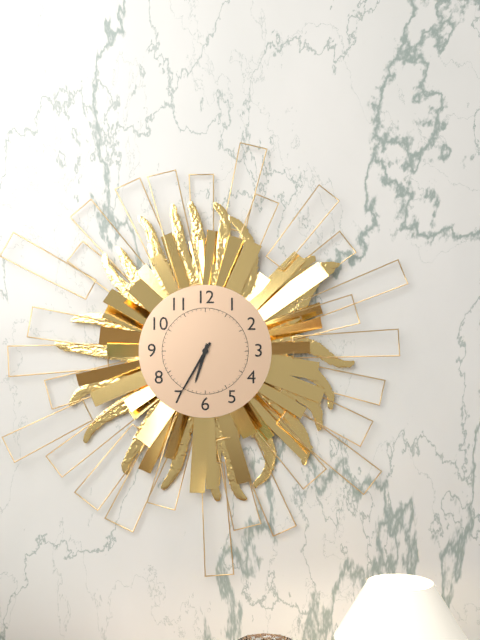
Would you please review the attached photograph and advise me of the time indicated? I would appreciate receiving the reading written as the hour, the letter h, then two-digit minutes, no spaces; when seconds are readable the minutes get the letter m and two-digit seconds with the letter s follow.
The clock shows 6h35
